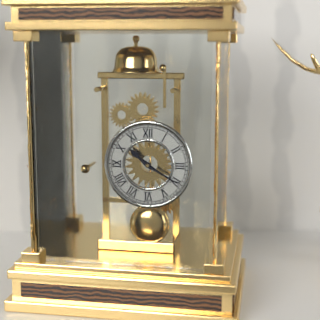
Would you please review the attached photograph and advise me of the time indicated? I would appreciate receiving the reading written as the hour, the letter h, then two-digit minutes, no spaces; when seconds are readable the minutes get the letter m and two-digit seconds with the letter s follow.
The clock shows 10h20
